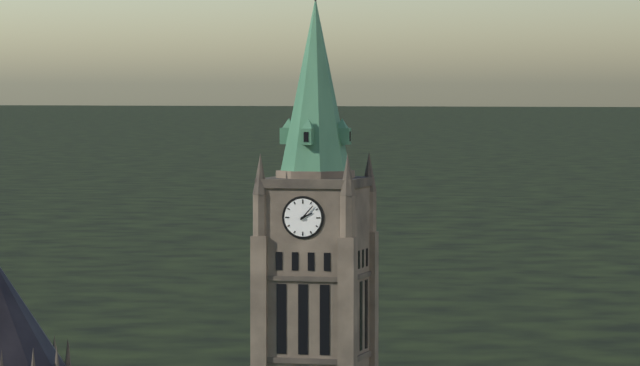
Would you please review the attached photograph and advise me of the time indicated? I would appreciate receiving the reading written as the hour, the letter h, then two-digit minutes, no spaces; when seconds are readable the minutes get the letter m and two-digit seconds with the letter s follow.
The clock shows 2h07
